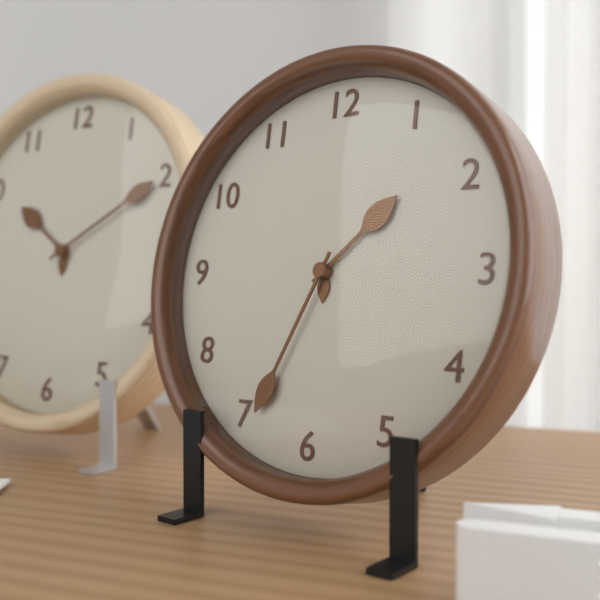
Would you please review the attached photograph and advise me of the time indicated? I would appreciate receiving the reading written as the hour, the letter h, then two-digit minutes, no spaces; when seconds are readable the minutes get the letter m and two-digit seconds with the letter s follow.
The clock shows 1h34
